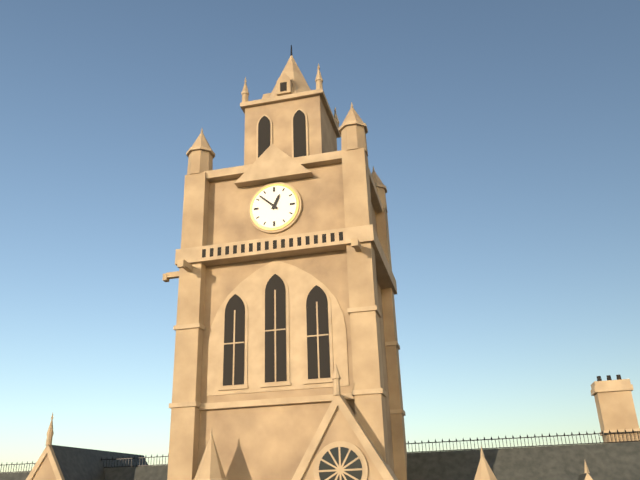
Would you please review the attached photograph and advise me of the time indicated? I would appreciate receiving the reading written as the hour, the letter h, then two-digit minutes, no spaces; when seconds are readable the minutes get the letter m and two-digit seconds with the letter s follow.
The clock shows 12h52
